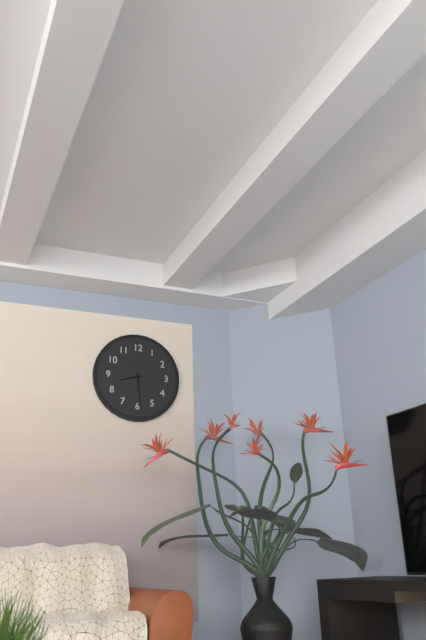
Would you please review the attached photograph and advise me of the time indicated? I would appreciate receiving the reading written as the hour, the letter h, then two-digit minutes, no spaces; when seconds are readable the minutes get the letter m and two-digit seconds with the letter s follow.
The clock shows 8h29
